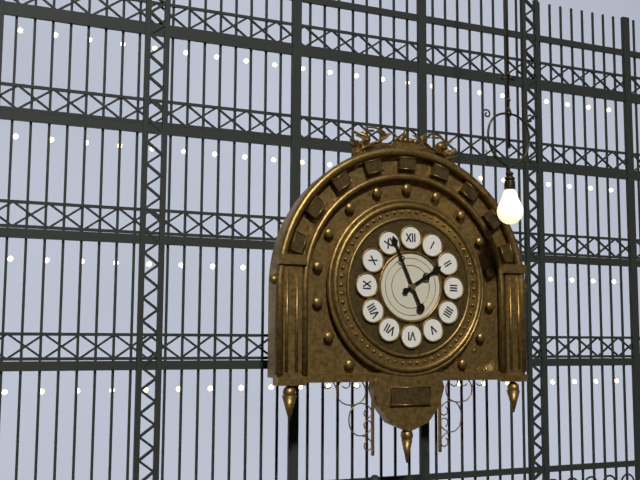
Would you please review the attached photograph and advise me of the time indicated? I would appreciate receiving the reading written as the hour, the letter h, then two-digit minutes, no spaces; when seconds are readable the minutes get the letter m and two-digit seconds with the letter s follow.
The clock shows 1h56
